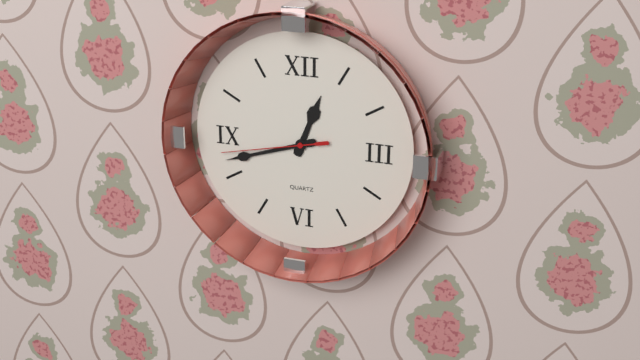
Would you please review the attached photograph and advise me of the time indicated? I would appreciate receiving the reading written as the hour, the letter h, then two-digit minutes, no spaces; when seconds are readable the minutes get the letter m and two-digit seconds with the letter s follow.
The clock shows 12h42m43s
